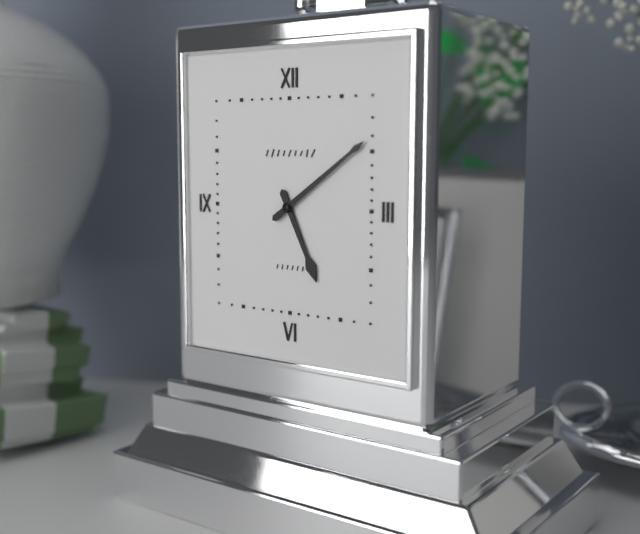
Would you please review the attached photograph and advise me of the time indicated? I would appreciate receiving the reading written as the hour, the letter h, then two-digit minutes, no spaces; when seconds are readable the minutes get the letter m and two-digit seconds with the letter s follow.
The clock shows 5h09
